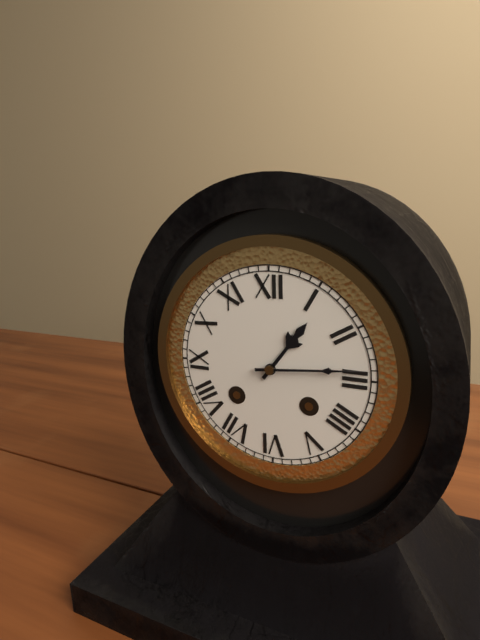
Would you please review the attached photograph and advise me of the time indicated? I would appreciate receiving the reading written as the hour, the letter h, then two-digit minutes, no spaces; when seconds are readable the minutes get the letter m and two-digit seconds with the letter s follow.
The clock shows 1h14
